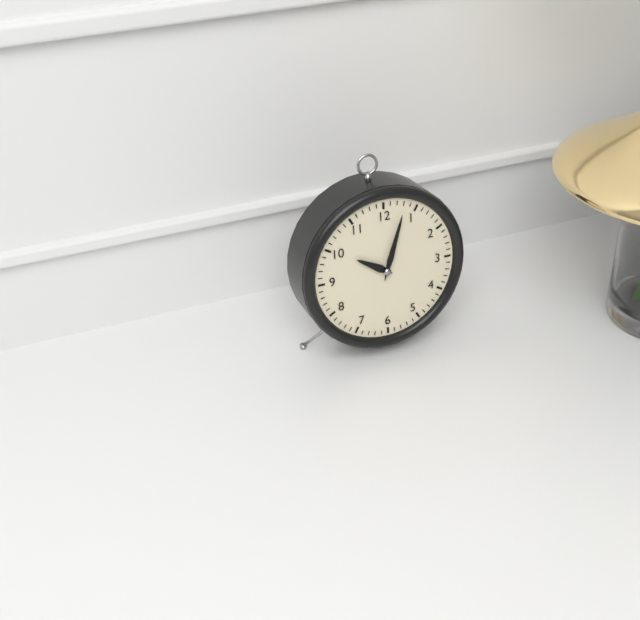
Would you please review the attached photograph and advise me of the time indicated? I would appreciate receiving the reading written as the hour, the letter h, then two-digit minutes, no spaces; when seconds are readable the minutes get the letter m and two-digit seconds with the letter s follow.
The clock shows 10h03
